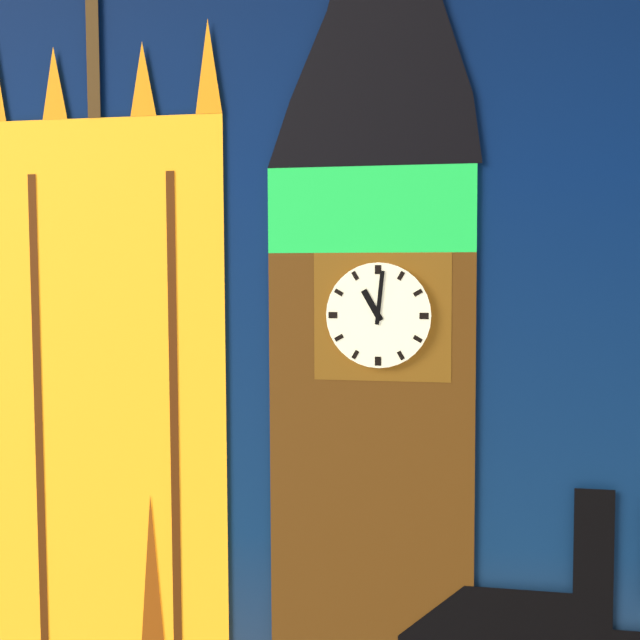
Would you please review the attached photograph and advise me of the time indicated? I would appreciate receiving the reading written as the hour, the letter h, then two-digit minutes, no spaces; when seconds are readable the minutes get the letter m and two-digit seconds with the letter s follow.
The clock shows 11h01
